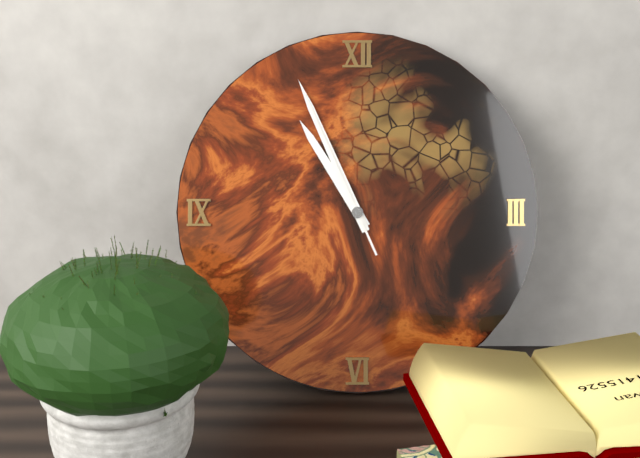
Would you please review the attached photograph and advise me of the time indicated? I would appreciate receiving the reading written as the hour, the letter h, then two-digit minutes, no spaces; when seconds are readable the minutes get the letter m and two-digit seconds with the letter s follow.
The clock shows 10h56m56s
